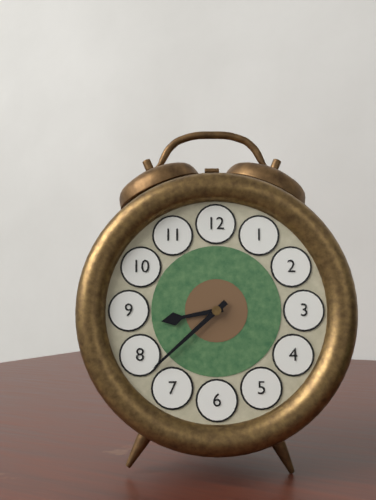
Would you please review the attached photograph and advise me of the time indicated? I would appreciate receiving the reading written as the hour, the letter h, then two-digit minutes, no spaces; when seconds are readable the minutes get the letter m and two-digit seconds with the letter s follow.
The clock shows 8h38
